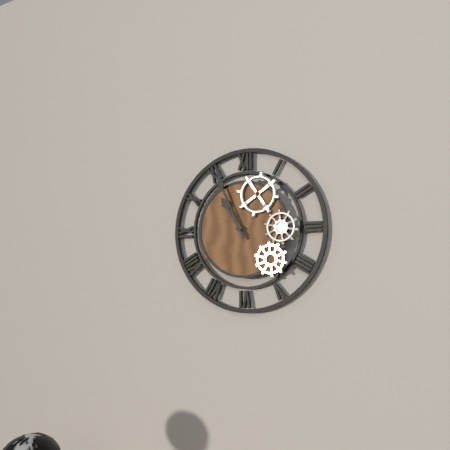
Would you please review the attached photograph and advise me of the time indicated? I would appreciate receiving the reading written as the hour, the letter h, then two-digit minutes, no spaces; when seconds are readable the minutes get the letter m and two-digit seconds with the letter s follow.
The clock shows 10h56
